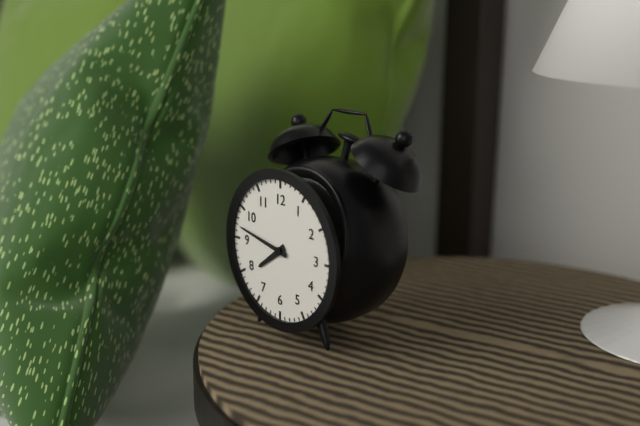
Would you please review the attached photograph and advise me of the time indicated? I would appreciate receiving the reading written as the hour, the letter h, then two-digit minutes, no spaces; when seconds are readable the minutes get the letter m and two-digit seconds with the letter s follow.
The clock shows 7h47
